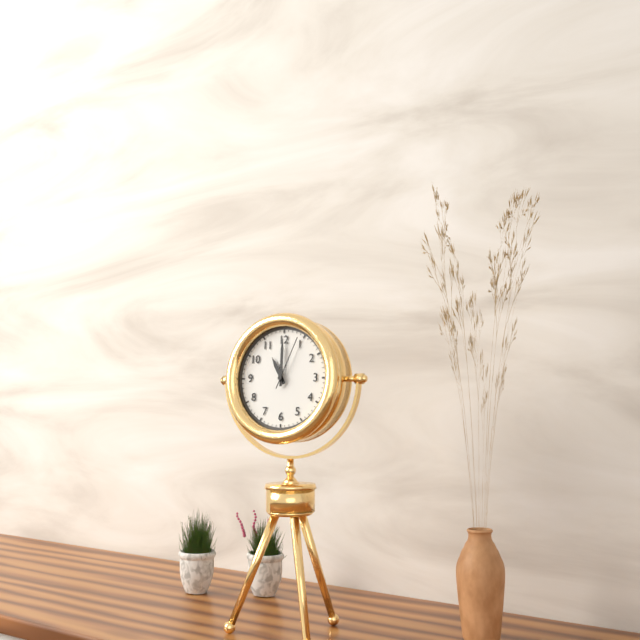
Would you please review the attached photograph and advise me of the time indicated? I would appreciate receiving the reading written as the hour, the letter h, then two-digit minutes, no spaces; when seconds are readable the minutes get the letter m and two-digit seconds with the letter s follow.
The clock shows 11h00m04s
